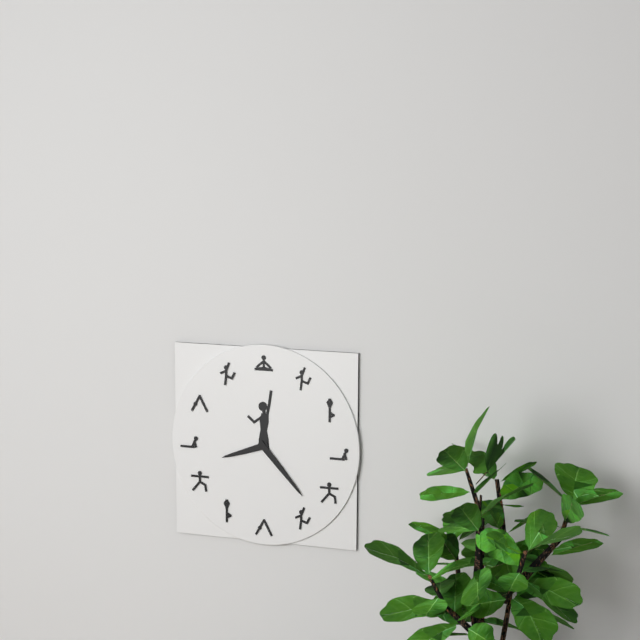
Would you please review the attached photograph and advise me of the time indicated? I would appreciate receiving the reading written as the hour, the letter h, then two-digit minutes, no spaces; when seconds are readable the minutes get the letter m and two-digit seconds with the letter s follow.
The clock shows 8h23
